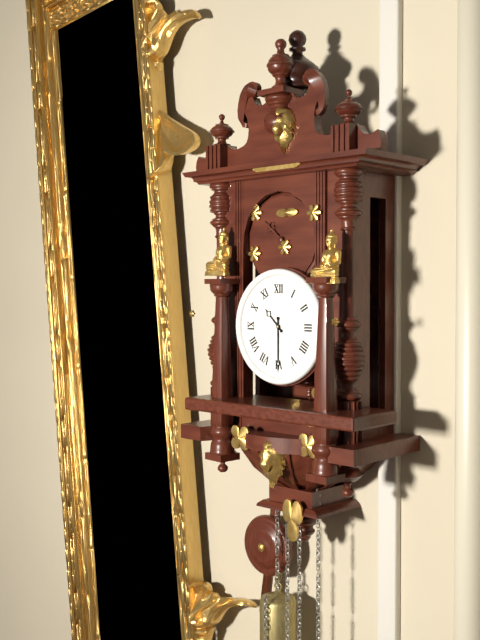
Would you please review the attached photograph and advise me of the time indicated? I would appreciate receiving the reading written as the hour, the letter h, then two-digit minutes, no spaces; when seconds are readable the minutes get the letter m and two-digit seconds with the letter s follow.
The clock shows 10h30
